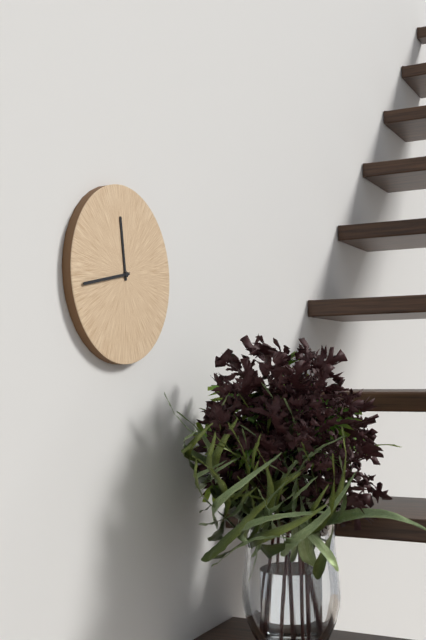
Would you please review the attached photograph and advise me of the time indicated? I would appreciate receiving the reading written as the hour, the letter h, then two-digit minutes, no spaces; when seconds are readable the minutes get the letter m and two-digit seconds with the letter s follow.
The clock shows 11h43
